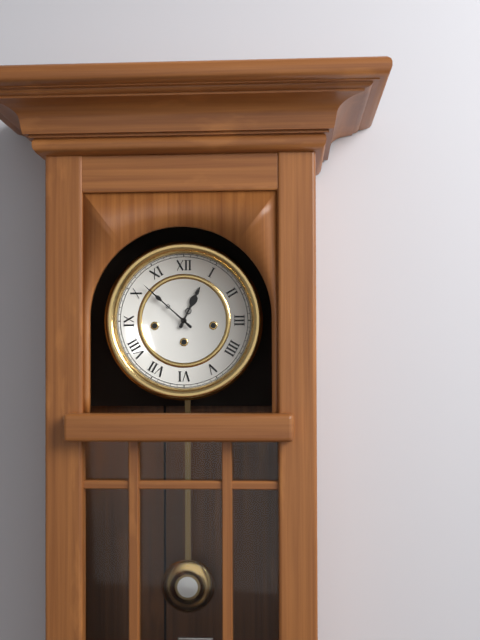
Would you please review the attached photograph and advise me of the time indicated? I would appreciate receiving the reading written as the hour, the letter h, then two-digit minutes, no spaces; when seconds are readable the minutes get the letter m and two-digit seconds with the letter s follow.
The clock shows 12h52
